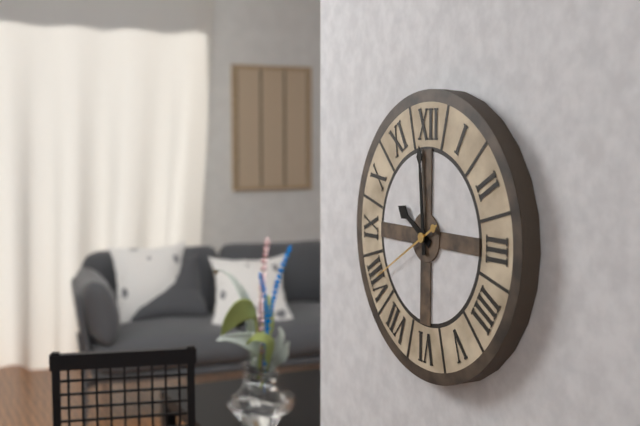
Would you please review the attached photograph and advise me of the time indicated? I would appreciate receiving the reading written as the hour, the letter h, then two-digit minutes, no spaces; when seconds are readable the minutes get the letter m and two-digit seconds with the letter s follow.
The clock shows 9h59m40s
